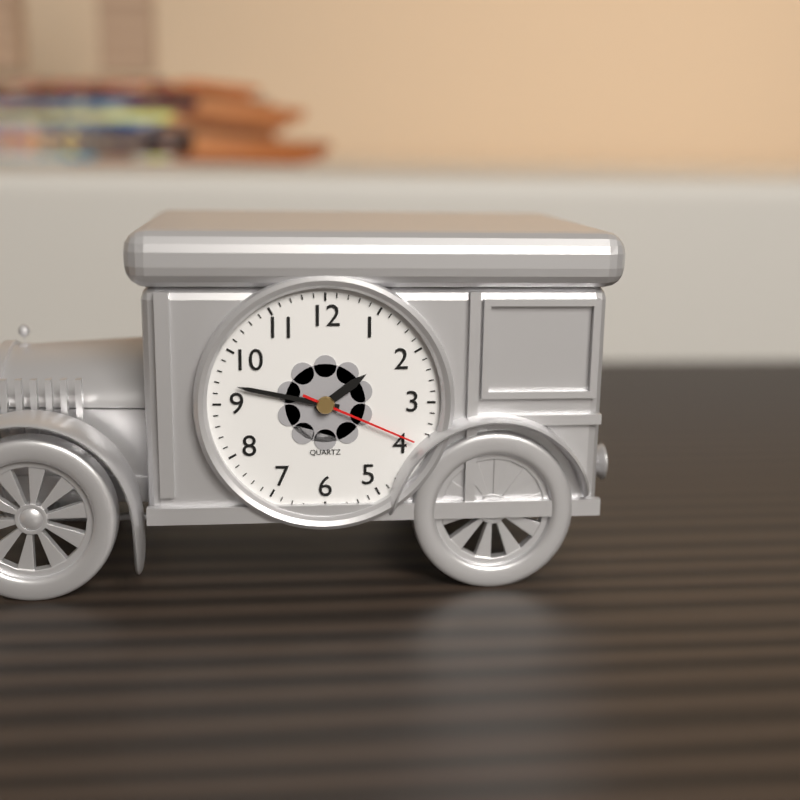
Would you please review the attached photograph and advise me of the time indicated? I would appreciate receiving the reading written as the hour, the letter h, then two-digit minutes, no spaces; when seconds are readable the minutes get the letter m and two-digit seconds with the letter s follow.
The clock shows 1h47m19s
